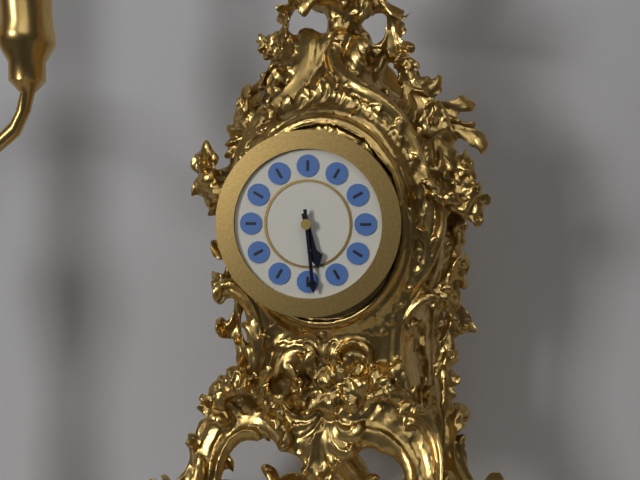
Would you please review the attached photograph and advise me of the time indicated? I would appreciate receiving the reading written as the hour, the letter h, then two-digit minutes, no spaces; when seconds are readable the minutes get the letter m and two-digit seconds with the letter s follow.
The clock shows 5h29
